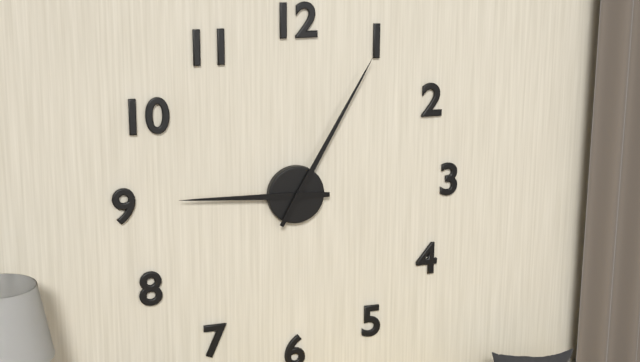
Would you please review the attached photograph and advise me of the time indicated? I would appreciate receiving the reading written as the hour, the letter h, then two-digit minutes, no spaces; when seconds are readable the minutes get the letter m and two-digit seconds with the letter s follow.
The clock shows 9h05
